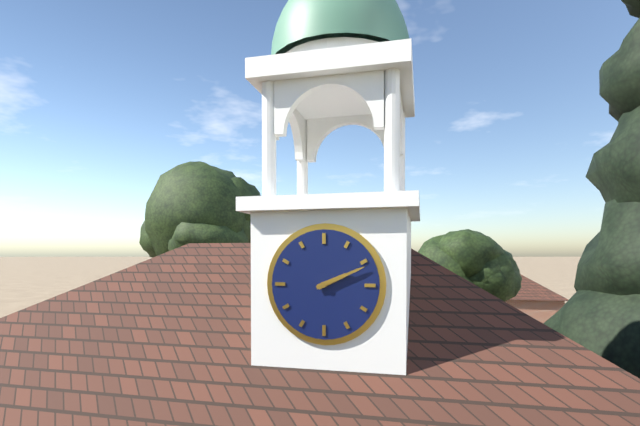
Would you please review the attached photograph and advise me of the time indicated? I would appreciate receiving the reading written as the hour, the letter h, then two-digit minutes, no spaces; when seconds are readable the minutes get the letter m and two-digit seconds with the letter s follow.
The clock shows 2h11
